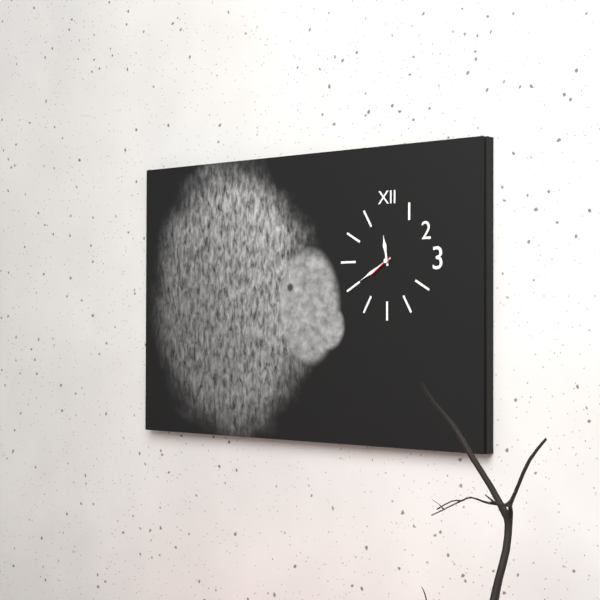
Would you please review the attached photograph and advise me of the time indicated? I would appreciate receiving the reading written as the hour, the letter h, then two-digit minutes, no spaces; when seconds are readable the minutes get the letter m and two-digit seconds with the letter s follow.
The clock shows 11h40
